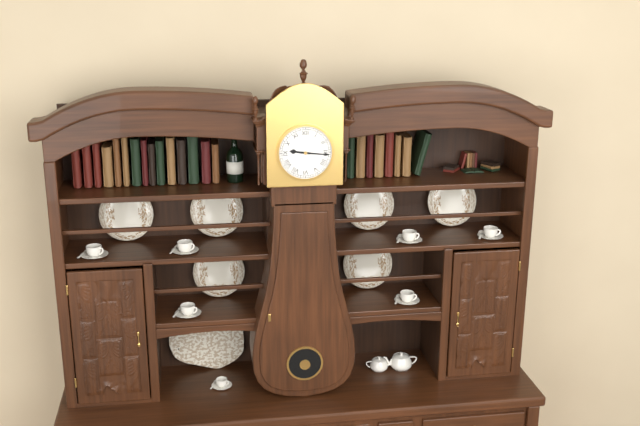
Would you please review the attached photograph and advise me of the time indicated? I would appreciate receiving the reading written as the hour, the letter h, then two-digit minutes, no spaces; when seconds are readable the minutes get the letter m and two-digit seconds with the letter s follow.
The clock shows 9h16
